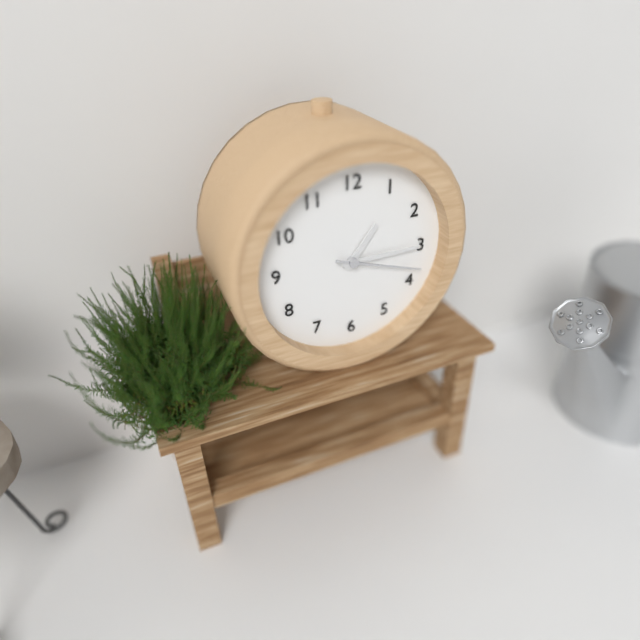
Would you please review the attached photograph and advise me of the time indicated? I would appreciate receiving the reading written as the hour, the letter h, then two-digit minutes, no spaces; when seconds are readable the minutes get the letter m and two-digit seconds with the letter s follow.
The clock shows 1h15m18s
